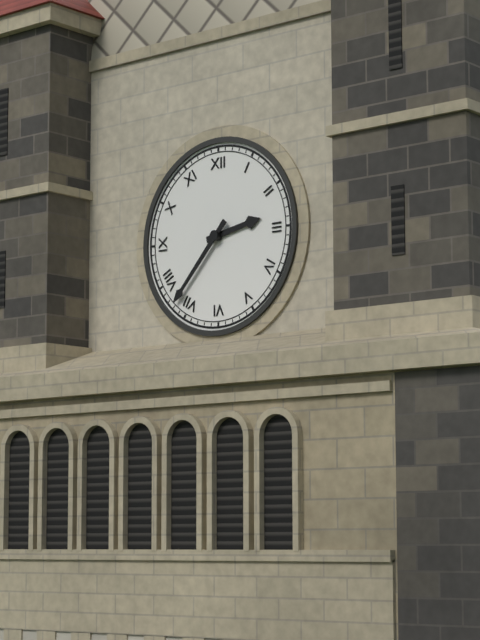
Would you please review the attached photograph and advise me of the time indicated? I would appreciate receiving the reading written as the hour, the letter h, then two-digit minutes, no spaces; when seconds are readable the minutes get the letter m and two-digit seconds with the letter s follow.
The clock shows 2h37
